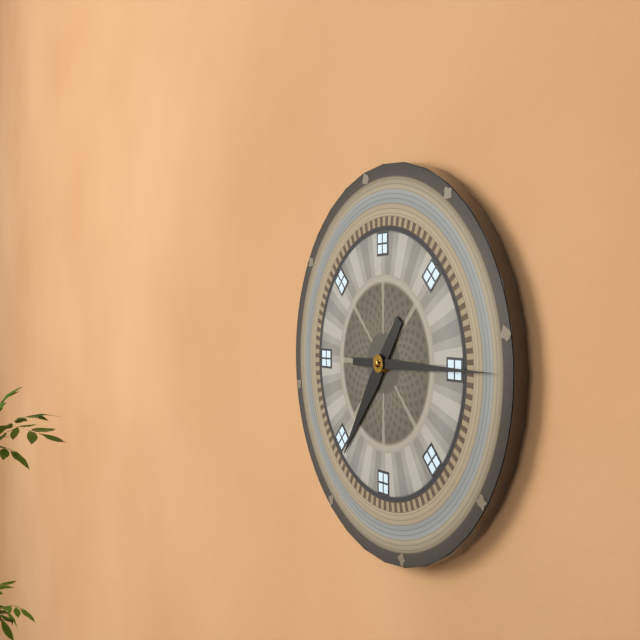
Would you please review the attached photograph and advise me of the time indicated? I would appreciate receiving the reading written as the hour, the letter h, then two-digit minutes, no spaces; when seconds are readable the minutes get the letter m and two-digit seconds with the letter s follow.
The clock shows 7h15
